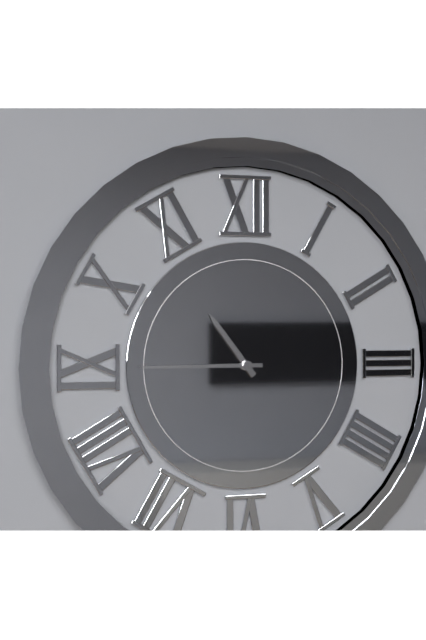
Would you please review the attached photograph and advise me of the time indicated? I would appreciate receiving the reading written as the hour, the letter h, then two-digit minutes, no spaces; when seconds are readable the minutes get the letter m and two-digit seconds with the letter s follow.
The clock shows 10h45
